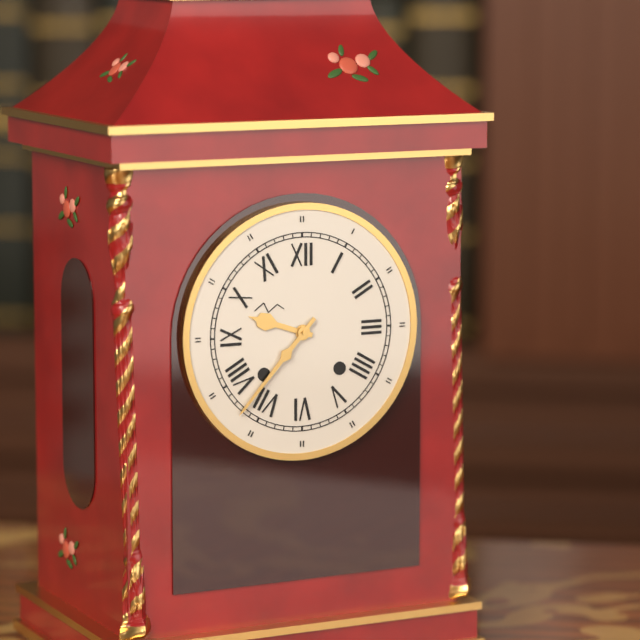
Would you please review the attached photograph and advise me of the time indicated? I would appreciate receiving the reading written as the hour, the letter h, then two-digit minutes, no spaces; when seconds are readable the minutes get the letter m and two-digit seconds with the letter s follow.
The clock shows 9h37
